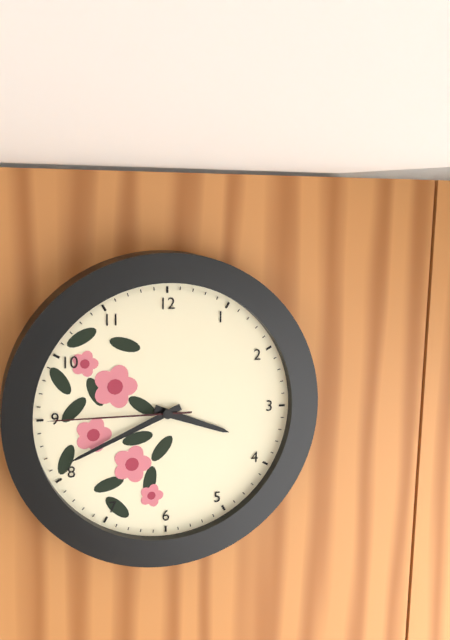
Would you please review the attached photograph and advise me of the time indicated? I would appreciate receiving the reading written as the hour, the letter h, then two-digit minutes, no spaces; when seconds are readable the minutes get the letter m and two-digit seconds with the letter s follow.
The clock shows 3h41m45s
